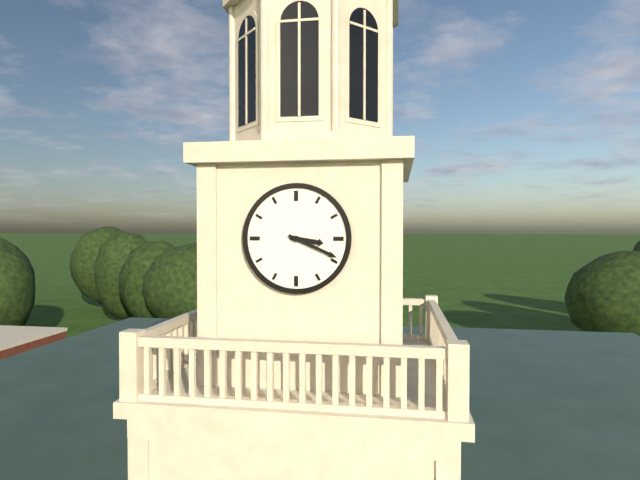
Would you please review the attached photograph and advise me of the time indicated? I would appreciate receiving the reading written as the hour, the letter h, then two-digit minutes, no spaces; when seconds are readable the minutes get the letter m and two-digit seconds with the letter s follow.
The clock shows 3h19
